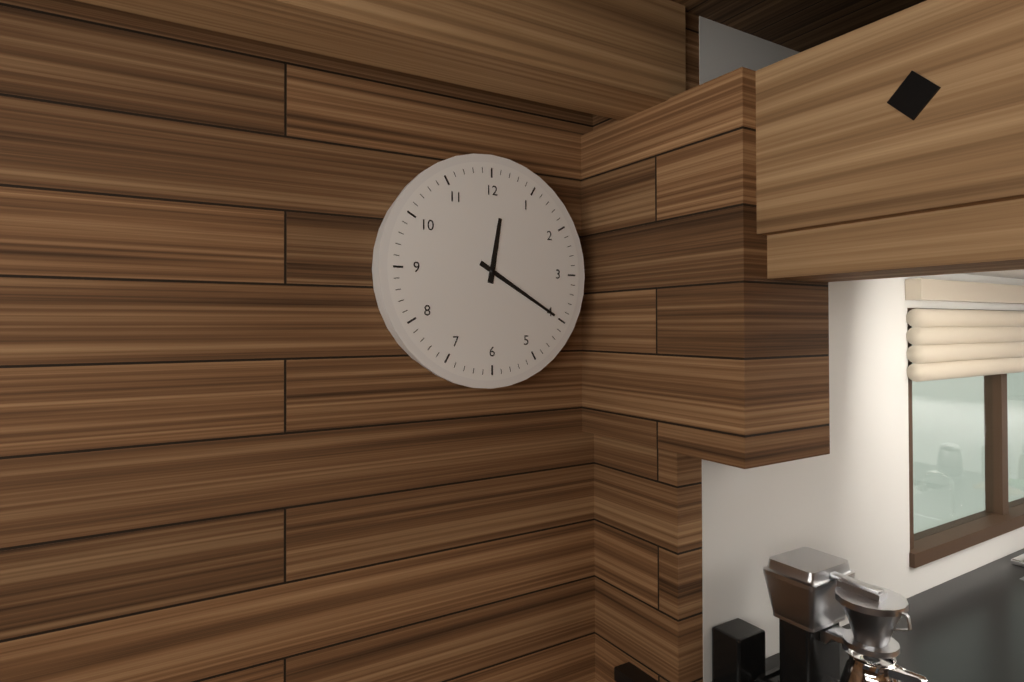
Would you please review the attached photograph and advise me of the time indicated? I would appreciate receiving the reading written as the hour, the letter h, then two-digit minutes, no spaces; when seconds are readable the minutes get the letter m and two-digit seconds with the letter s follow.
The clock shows 12h20
